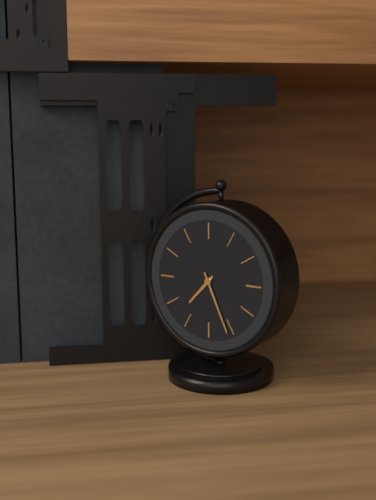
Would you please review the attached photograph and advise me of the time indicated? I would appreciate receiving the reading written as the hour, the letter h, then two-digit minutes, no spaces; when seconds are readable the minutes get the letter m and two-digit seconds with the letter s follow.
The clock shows 7h26
